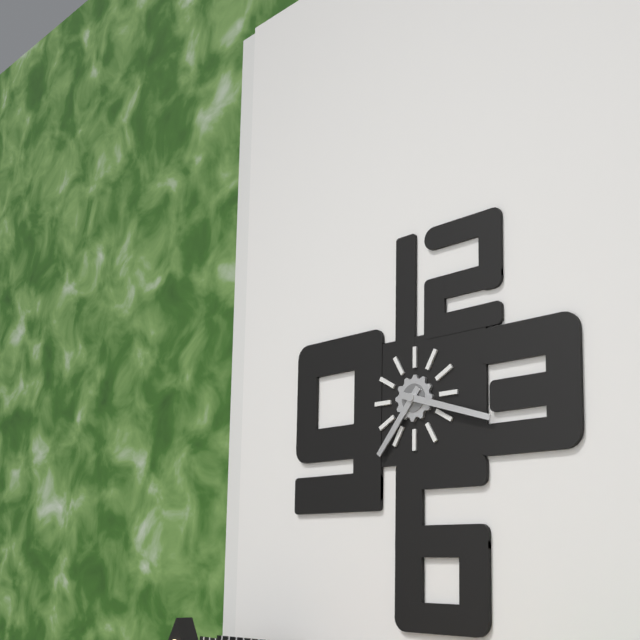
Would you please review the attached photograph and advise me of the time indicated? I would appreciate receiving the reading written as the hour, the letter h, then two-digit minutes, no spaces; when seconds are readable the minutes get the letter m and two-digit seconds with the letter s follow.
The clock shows 7h18
